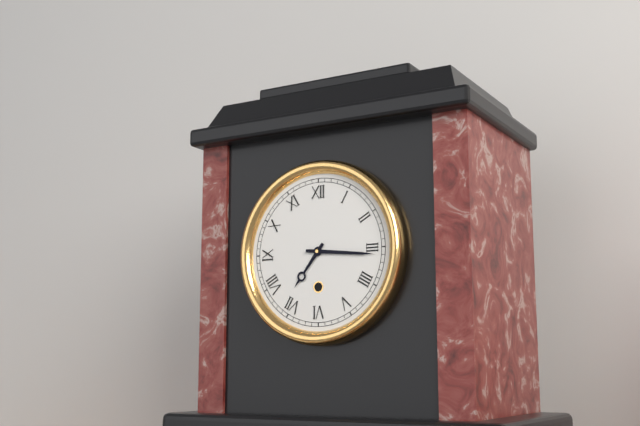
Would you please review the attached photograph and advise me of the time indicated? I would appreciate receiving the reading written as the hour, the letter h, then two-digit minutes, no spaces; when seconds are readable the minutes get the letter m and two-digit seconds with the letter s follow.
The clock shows 7h16
